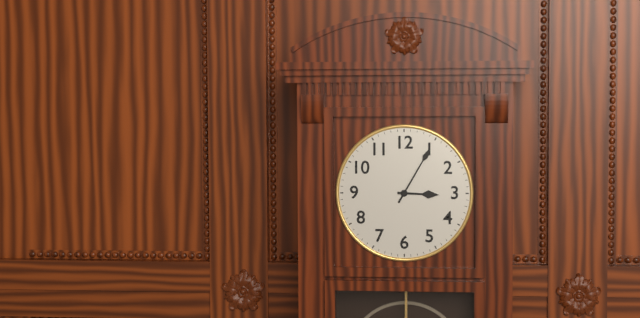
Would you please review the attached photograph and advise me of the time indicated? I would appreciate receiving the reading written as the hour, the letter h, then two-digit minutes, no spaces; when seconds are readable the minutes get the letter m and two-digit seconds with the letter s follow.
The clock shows 3h05
